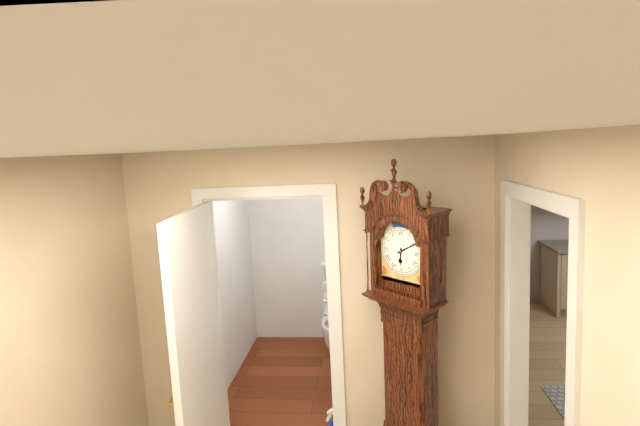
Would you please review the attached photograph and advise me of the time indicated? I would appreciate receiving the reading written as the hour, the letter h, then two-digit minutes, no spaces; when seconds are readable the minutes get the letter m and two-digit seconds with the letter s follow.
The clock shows 6h10
